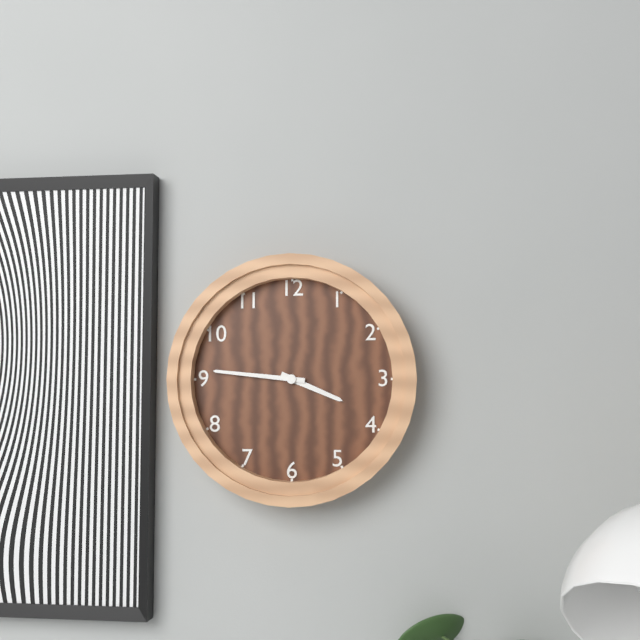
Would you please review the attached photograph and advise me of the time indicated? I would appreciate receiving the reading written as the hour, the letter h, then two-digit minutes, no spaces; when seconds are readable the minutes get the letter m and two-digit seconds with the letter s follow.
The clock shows 3h46
